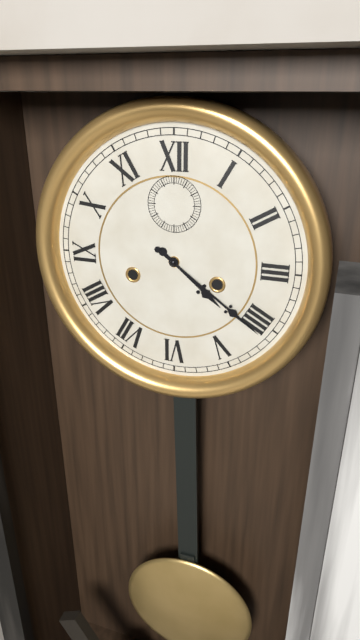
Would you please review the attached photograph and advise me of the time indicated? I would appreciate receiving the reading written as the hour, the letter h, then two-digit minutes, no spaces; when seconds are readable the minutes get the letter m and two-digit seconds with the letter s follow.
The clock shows 4h21
